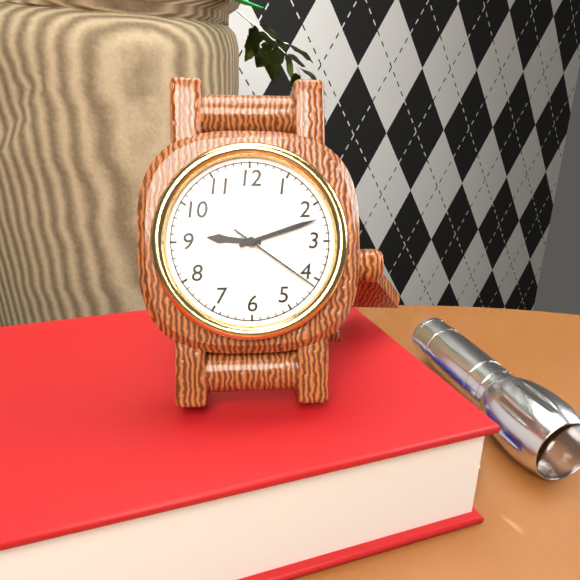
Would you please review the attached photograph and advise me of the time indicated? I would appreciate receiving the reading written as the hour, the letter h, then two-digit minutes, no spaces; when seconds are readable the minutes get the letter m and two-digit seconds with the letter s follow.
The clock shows 9h12m21s
